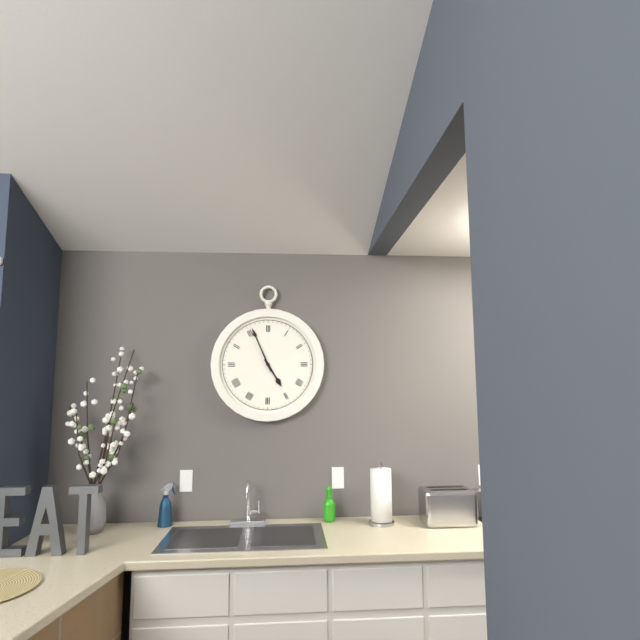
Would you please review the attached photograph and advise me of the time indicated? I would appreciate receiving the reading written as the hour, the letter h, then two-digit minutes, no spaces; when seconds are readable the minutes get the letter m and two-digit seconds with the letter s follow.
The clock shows 4h56
